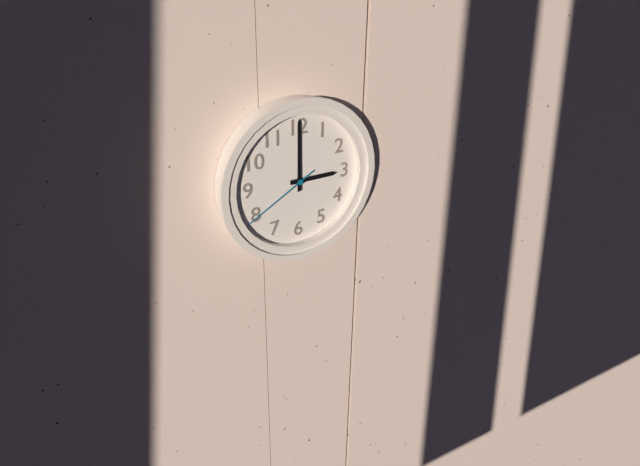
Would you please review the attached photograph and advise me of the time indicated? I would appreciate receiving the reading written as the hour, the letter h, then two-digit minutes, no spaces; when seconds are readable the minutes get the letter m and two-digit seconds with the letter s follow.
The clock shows 3h00m40s
